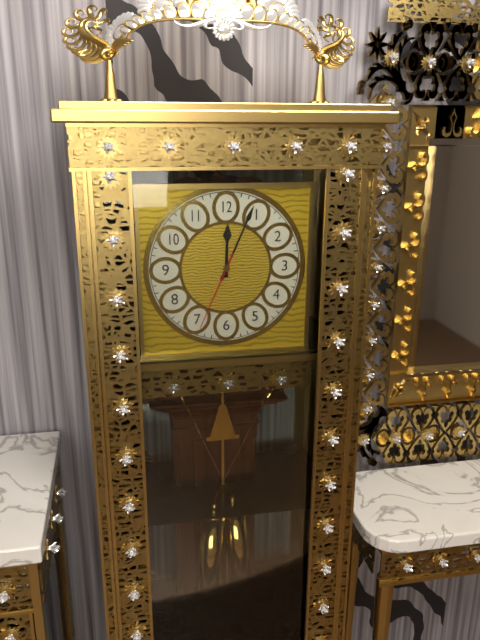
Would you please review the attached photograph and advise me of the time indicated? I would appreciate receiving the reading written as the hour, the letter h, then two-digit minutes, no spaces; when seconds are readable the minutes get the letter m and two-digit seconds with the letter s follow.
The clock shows 12h04m34s
